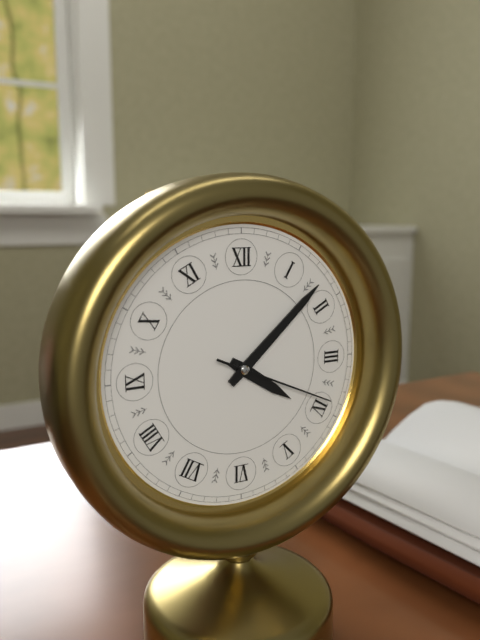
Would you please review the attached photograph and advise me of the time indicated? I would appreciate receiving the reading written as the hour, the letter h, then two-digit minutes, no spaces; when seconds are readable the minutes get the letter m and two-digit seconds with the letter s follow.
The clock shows 4h08m19s
